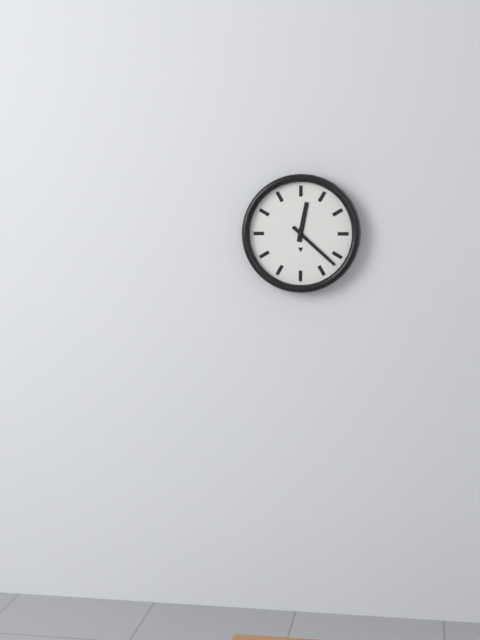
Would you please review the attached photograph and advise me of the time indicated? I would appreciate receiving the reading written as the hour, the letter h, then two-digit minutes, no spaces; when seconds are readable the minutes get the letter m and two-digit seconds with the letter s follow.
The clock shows 12h22
